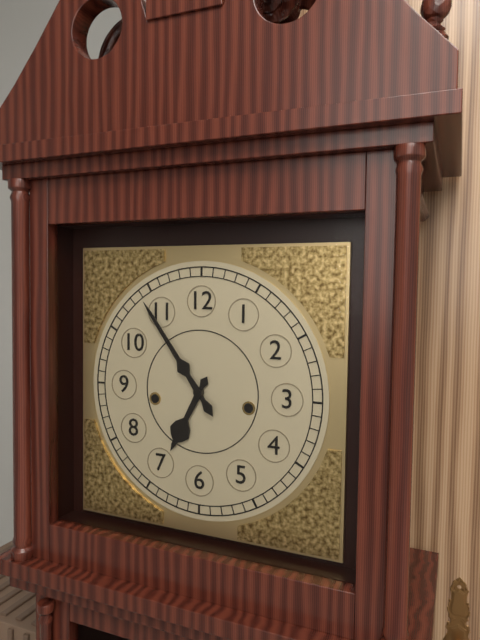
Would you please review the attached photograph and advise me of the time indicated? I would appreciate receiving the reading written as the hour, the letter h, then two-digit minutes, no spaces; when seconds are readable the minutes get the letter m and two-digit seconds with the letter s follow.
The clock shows 6h54
